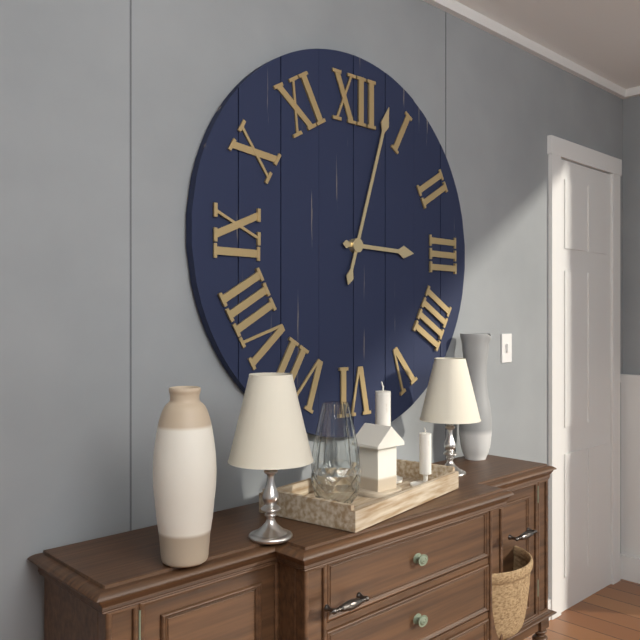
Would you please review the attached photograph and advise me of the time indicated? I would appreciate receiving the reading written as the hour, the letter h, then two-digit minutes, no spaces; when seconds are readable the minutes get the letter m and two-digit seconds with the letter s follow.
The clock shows 3h03
